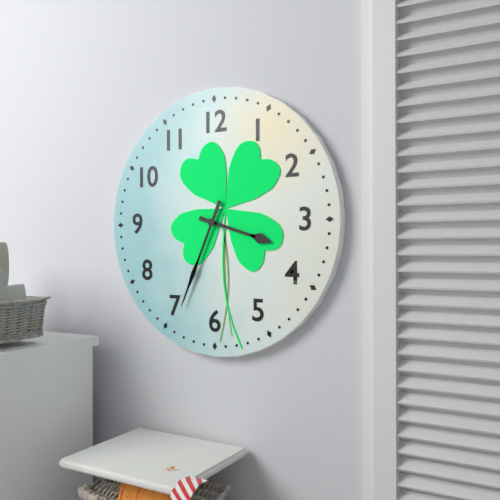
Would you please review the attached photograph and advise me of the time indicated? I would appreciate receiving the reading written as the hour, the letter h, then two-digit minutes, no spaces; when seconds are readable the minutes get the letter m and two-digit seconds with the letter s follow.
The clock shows 3h34
